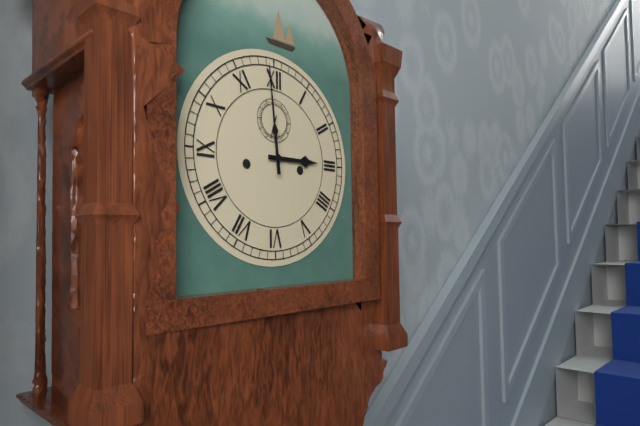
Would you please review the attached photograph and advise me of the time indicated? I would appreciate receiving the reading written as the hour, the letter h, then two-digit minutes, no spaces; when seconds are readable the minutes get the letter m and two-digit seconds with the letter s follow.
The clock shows 2h59
